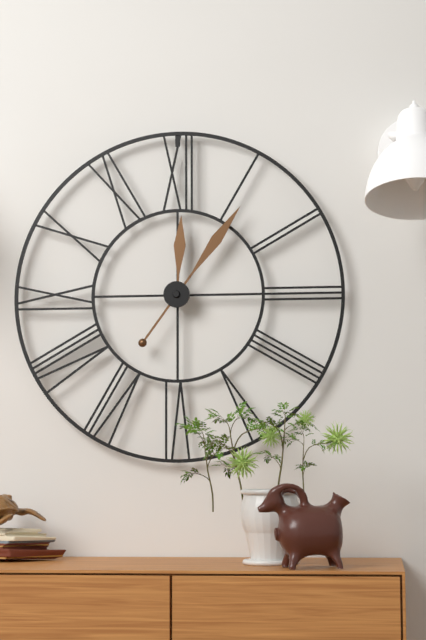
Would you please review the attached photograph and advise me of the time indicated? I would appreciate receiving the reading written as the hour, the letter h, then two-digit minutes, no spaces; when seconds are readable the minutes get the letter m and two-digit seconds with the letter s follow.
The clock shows 12h06
